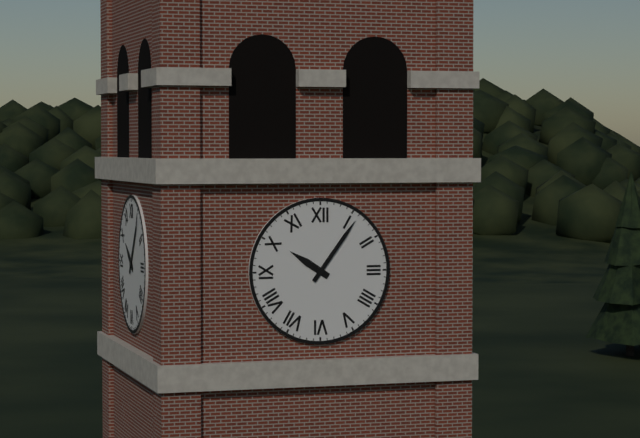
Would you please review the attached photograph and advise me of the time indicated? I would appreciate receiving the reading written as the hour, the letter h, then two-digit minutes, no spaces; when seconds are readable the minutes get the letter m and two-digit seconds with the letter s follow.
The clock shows 10h06
